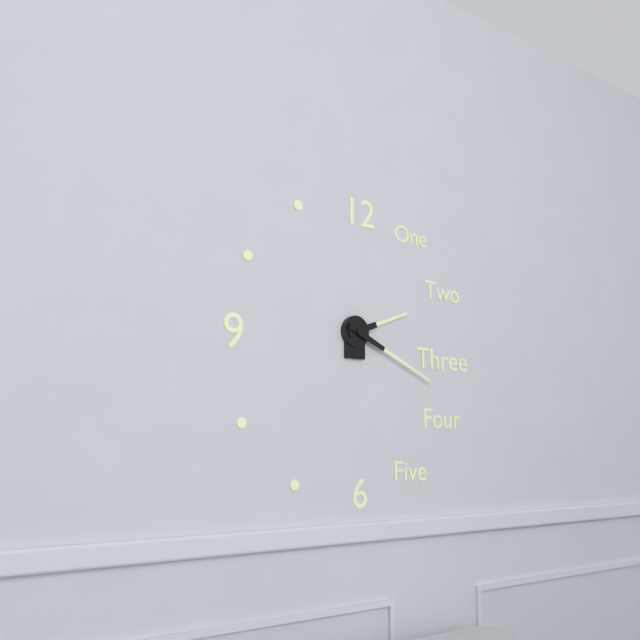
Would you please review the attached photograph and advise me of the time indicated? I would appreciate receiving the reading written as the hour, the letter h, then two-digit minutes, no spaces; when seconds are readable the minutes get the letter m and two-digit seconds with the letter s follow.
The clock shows 2h19
